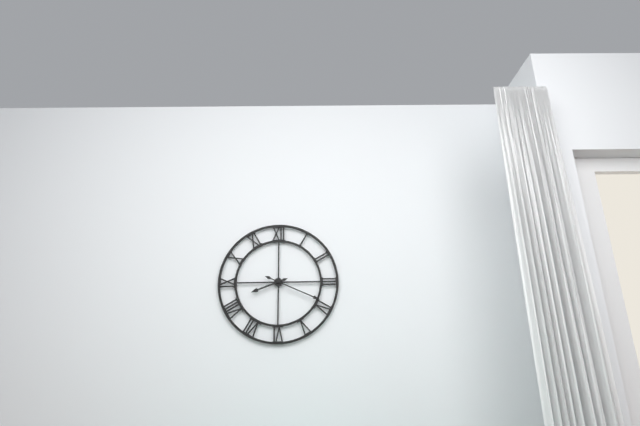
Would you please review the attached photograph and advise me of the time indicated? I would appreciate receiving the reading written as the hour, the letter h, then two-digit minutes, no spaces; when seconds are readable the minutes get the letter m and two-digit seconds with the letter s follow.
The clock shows 8h19
